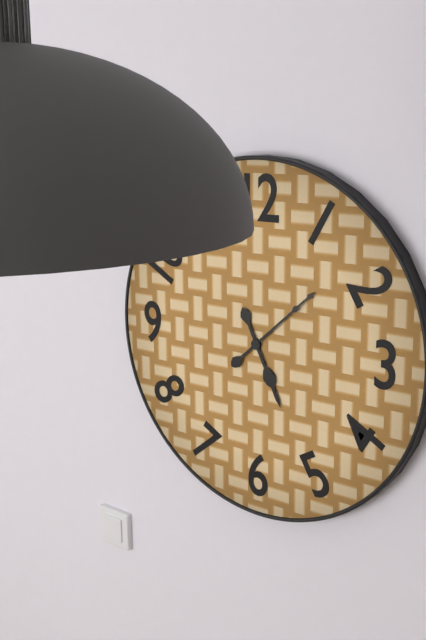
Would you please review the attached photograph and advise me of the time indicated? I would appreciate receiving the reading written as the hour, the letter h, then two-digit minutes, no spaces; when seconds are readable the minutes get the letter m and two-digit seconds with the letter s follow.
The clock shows 5h08
